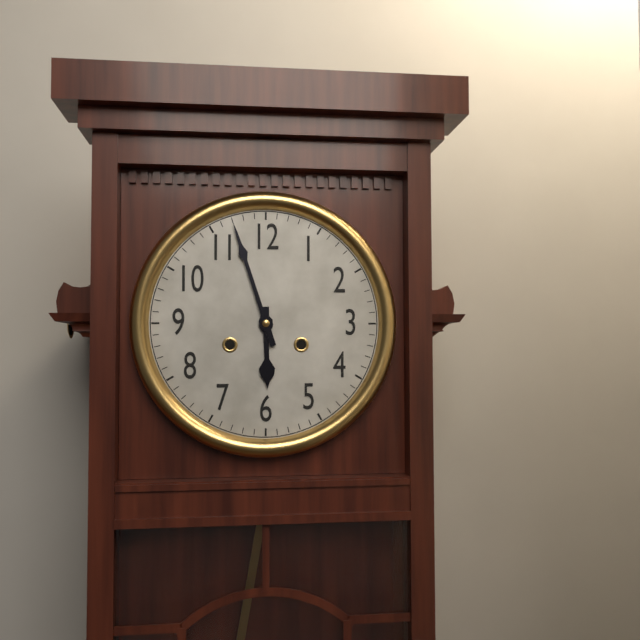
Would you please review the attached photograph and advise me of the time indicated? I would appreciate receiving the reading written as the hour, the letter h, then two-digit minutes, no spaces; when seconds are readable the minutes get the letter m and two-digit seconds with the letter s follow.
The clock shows 5h57
